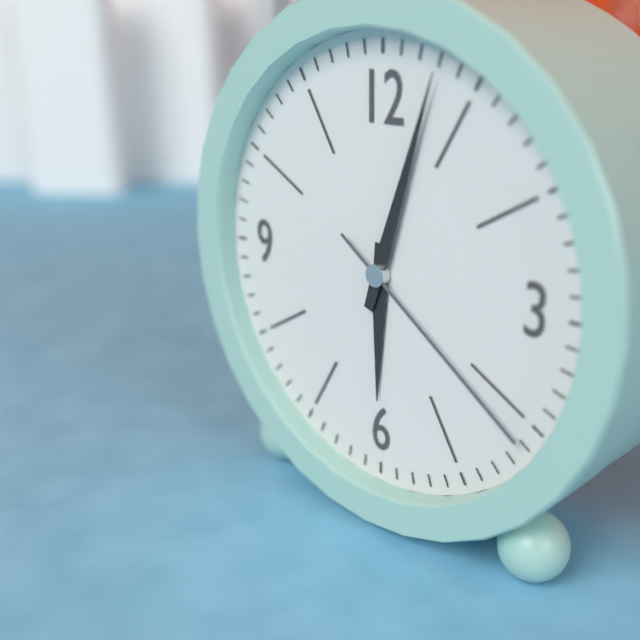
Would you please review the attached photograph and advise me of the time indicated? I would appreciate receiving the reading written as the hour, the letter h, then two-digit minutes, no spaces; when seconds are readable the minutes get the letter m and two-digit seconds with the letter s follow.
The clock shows 6h03m21s
